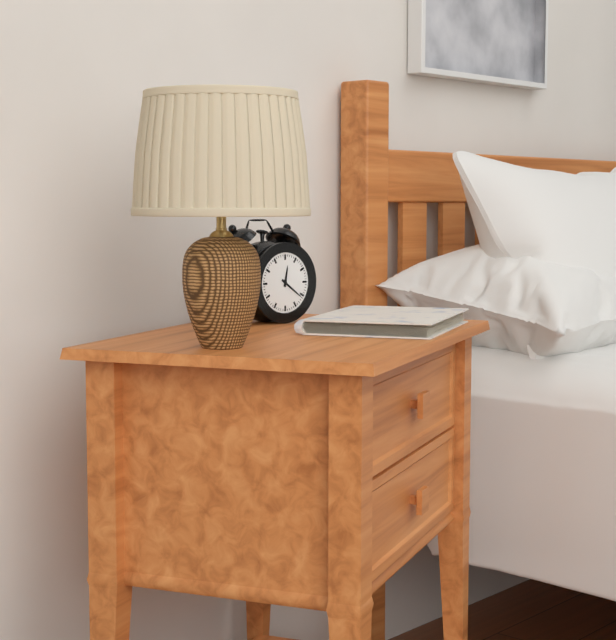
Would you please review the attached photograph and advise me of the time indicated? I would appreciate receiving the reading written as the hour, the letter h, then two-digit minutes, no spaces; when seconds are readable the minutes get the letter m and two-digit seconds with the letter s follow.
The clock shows 12h21
